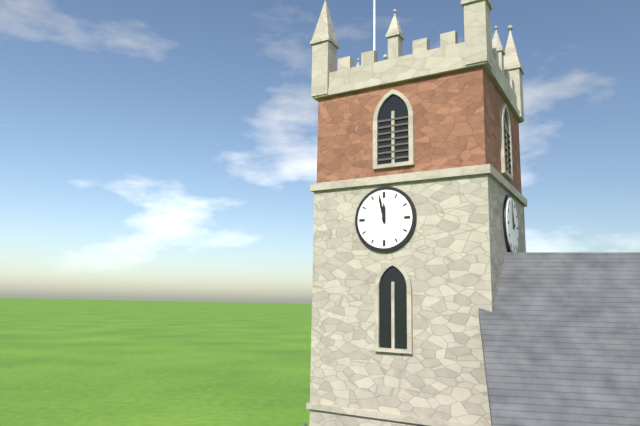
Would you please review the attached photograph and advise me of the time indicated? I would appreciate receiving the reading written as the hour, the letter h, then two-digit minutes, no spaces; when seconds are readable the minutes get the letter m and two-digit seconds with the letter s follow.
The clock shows 11h58
